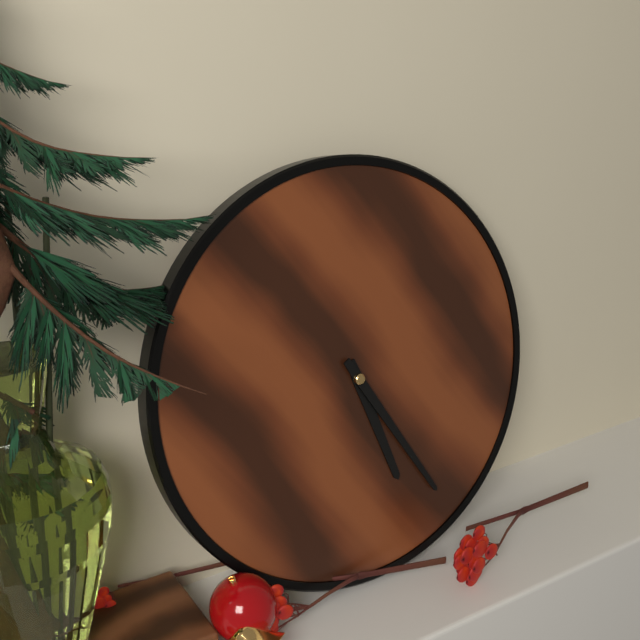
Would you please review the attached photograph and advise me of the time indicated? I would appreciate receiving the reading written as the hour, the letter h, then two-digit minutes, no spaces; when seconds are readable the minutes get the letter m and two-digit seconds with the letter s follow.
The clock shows 5h25
